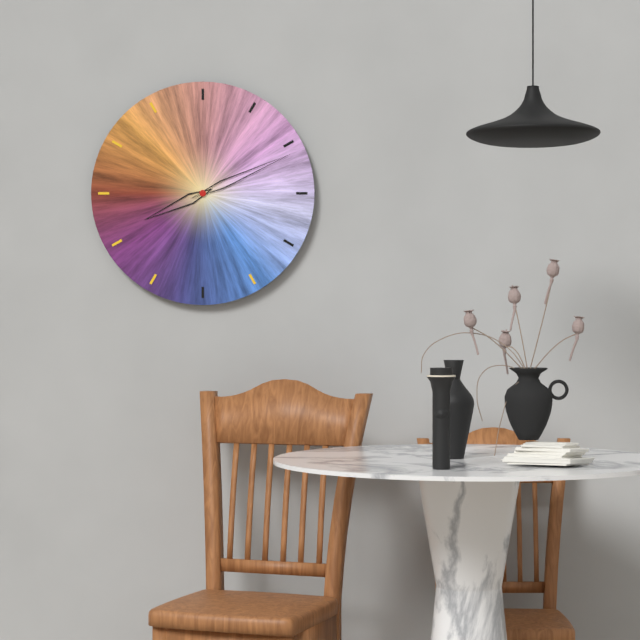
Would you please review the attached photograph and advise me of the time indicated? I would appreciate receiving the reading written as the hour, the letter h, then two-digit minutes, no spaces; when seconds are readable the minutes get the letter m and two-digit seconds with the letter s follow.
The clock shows 8h11
